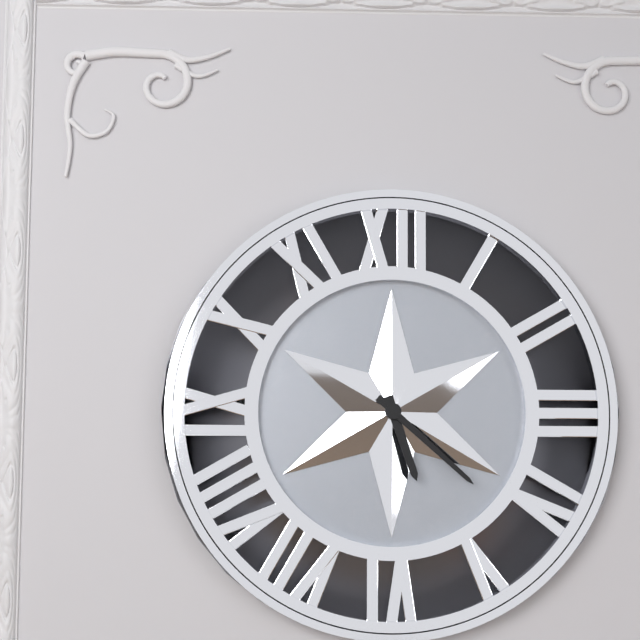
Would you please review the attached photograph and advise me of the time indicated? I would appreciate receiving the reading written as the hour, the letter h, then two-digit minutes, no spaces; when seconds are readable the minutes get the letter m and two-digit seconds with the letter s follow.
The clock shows 5h22
